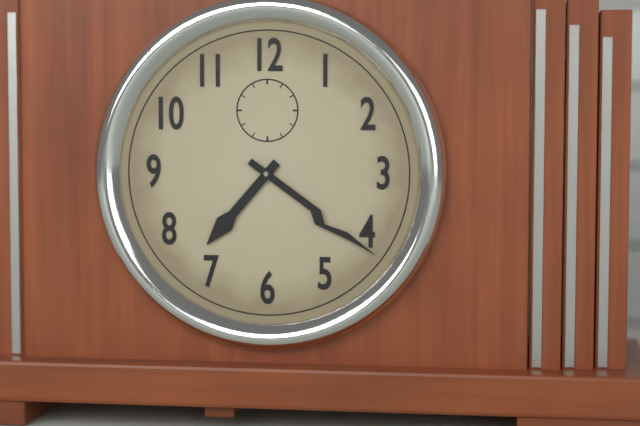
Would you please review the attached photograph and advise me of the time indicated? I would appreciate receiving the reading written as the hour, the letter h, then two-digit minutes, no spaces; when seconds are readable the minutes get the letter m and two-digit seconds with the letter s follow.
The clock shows 7h21
